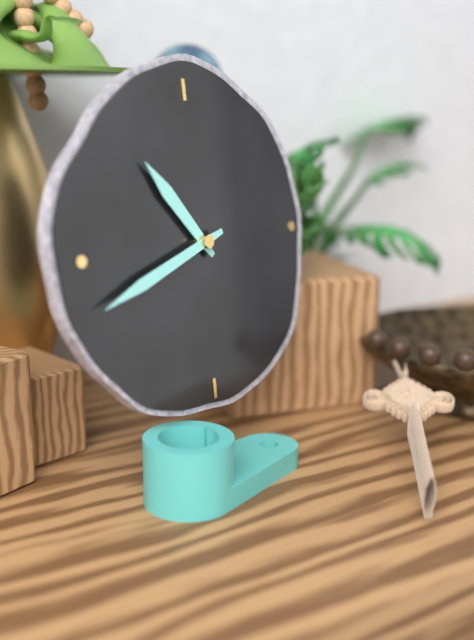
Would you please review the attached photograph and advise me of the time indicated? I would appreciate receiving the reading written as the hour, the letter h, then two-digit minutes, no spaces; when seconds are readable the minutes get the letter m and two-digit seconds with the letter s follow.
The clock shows 10h42
